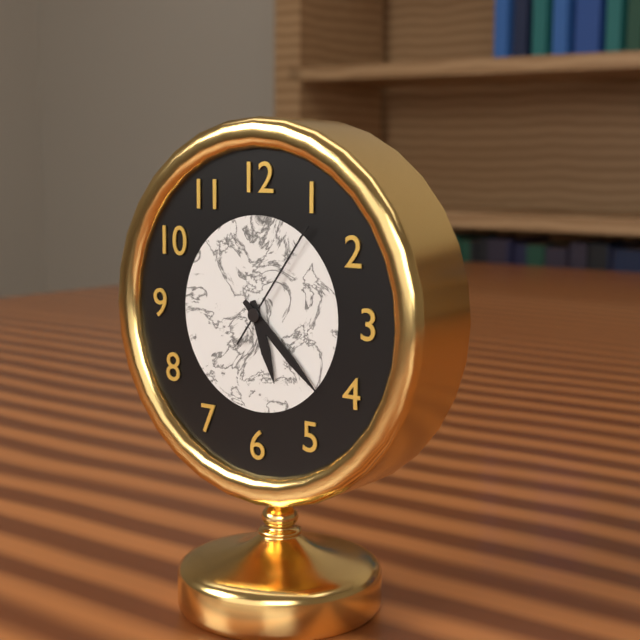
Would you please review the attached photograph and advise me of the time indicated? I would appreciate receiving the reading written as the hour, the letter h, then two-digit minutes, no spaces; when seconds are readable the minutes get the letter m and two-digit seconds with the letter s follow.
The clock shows 5h22m06s
